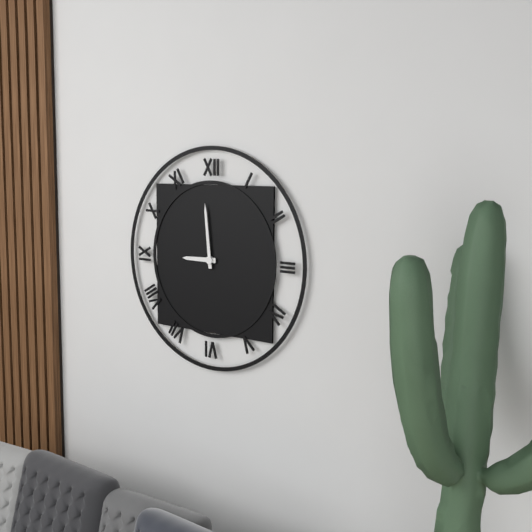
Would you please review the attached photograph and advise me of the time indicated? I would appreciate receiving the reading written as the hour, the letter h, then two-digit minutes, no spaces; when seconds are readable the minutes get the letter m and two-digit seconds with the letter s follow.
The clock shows 8h59
